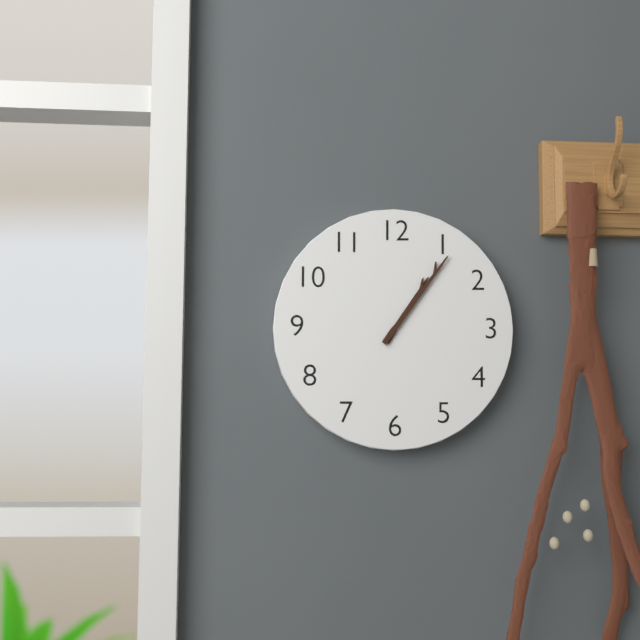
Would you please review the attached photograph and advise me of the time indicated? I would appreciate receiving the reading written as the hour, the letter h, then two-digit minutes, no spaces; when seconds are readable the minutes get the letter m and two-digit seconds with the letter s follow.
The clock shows 1h06
